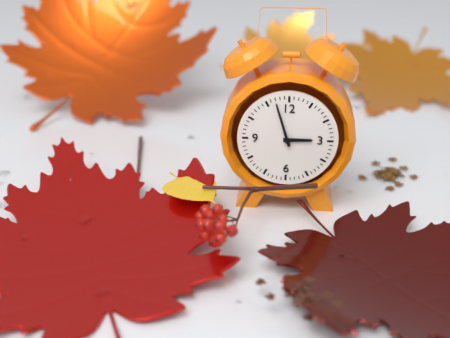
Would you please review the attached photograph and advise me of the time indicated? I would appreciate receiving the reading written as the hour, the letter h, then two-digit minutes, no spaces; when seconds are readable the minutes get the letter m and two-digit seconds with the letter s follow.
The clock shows 2h57
